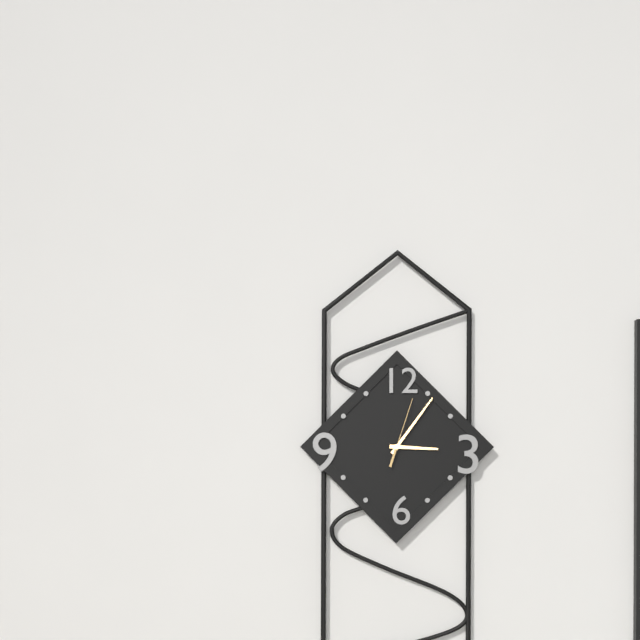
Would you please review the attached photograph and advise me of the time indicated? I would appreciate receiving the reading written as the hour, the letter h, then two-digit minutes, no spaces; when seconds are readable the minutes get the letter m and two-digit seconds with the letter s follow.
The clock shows 3h06m03s
